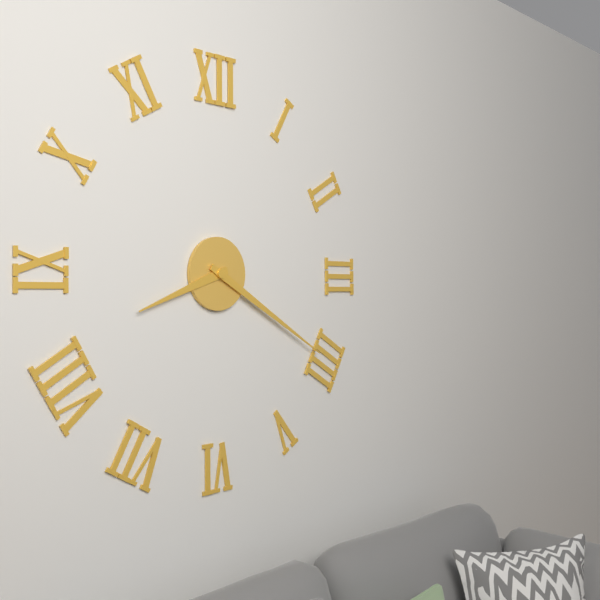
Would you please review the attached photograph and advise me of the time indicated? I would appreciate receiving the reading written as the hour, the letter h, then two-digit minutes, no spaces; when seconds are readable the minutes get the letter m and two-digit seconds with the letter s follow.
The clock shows 8h20
